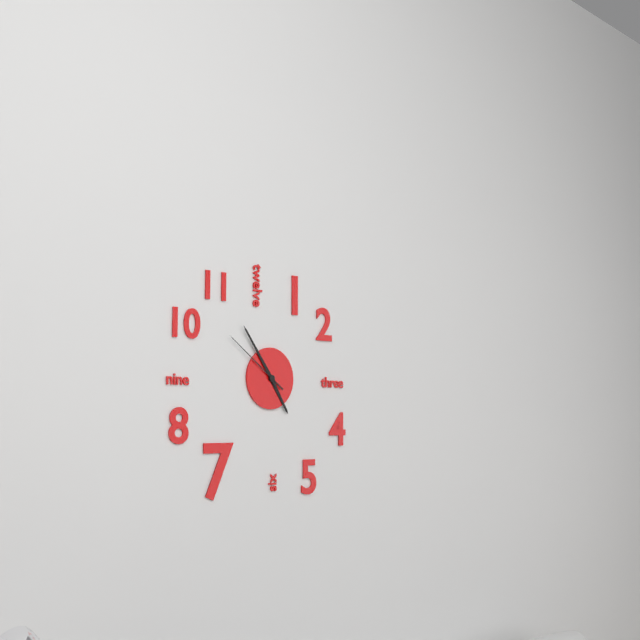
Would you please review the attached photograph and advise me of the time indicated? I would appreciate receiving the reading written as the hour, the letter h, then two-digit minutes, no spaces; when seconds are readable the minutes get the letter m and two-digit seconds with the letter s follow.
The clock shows 4h54m51s
